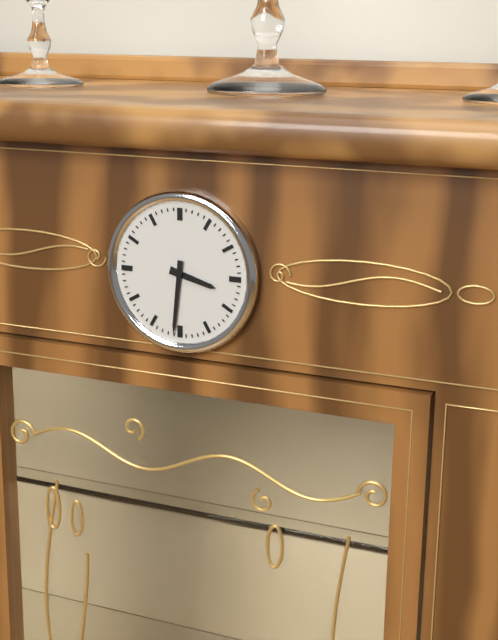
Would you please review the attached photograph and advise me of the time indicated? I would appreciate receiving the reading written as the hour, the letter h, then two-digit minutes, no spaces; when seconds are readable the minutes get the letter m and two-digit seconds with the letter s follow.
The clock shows 3h31
